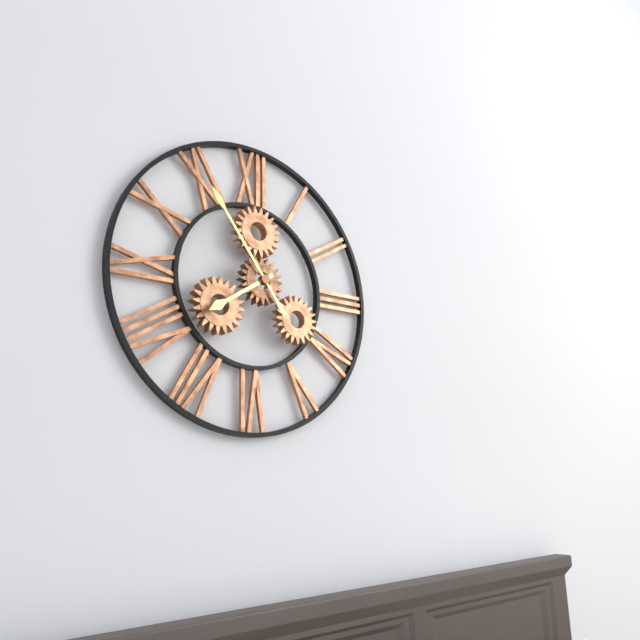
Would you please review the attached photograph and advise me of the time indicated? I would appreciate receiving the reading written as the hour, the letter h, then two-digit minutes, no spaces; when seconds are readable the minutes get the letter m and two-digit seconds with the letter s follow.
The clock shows 7h54
